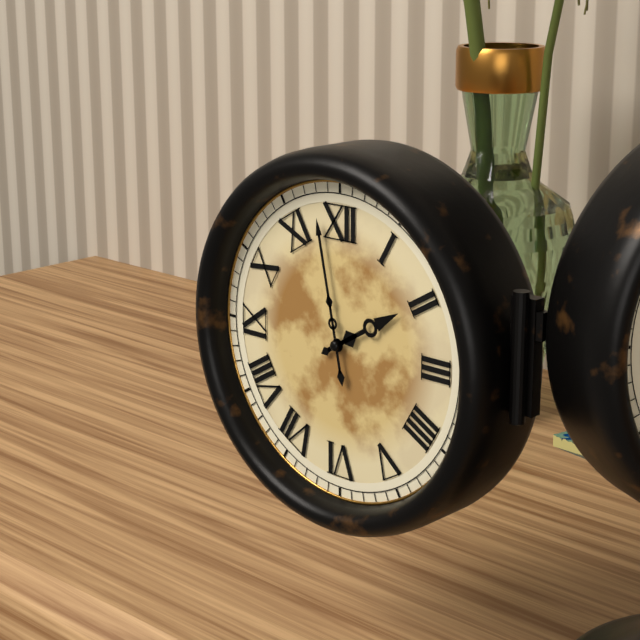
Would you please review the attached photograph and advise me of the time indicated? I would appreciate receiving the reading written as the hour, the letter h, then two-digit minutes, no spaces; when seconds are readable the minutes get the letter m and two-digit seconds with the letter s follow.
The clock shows 1h58
